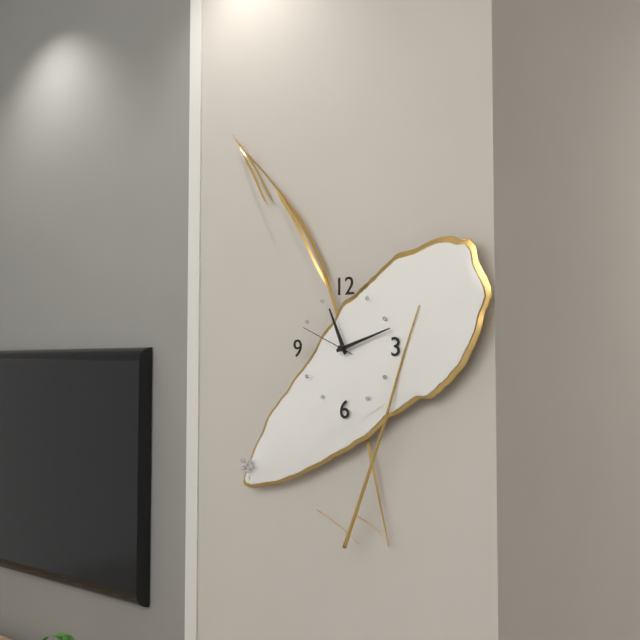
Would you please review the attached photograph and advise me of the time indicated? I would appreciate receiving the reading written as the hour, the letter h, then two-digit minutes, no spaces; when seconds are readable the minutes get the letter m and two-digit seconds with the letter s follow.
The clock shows 11h12m49s
